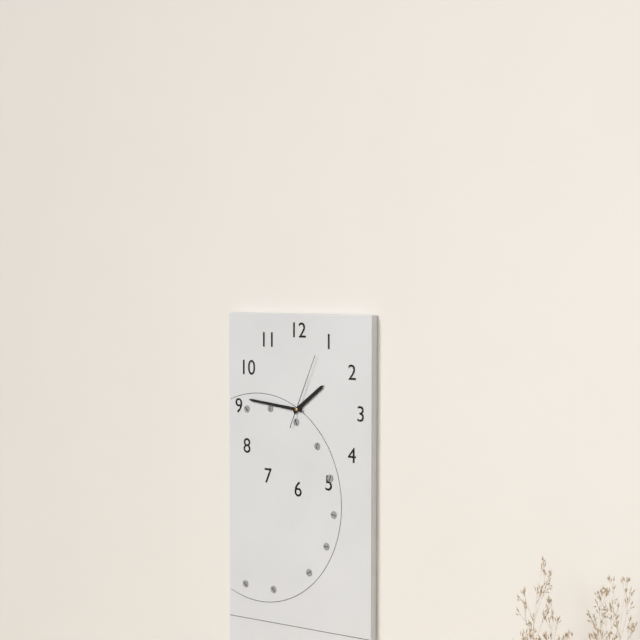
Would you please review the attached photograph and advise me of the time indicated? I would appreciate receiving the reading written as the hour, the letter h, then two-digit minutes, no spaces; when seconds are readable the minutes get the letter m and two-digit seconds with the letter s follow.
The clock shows 1h46m04s
